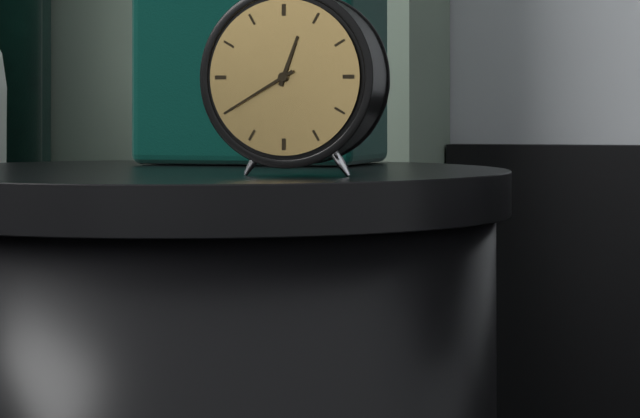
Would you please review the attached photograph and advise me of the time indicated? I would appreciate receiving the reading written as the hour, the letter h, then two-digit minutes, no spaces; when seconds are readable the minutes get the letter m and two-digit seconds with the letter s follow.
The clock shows 12h40
